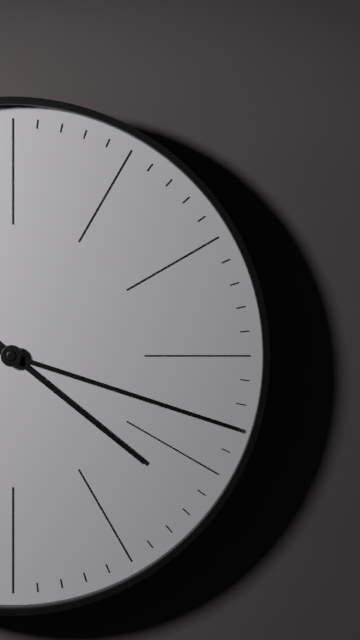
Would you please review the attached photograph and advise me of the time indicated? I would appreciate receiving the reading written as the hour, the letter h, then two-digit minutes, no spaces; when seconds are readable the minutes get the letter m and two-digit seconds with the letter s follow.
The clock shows 4h18
